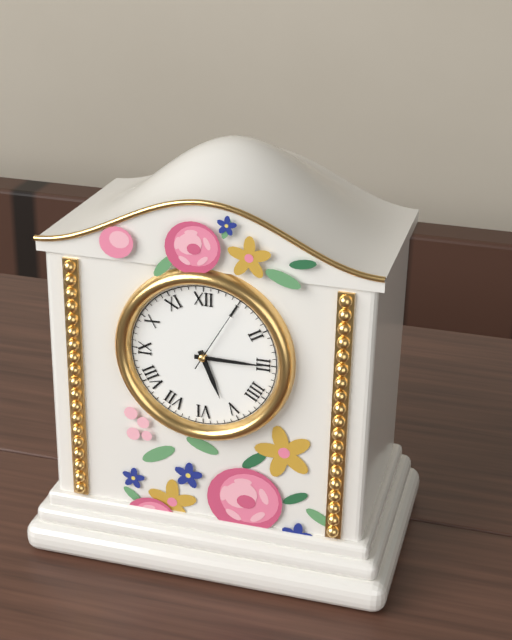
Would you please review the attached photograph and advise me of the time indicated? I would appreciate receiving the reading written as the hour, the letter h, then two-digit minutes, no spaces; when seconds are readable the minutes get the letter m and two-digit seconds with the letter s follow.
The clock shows 5h15m05s
